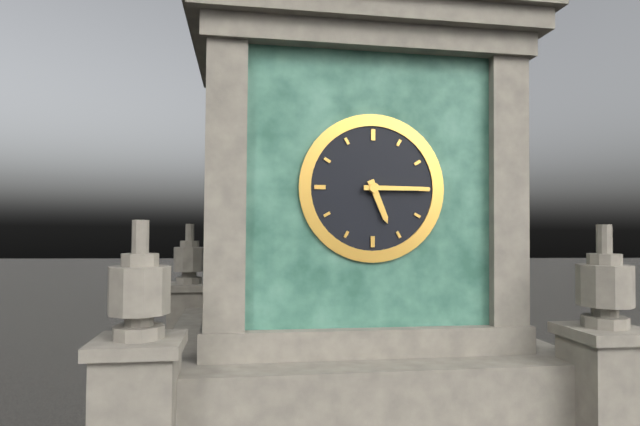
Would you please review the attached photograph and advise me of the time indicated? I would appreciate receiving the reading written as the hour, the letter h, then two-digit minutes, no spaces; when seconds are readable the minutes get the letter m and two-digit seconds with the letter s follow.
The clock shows 5h15
